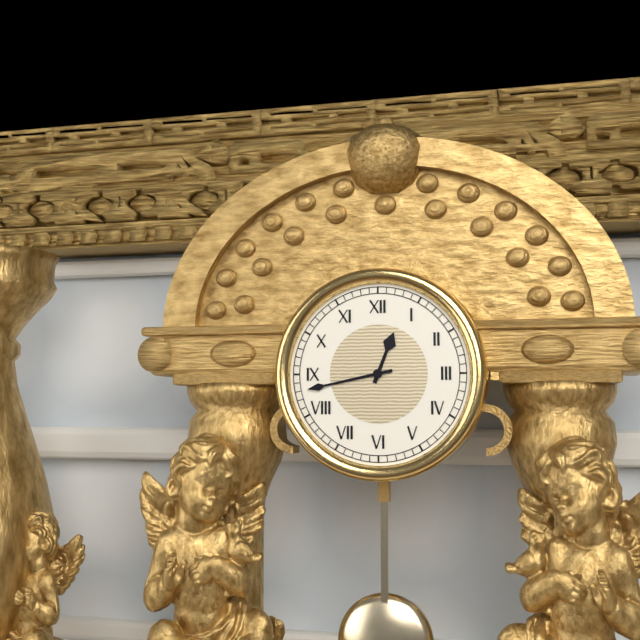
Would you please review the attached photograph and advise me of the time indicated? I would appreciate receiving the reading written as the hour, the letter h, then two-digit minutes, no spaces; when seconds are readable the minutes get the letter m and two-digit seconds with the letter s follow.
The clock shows 12h43
